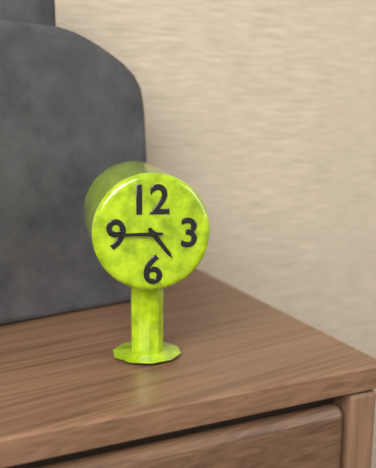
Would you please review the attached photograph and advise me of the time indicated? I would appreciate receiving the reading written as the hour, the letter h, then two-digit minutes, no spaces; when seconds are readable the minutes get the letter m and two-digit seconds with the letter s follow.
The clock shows 4h45
